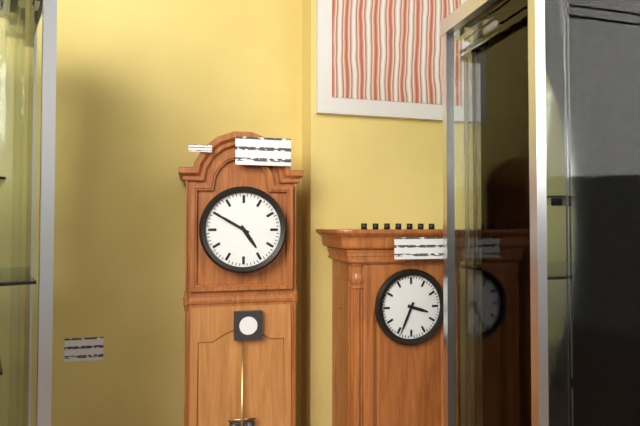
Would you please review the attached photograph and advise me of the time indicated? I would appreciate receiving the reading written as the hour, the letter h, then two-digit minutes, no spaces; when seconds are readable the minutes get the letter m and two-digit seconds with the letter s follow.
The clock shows 4h50
